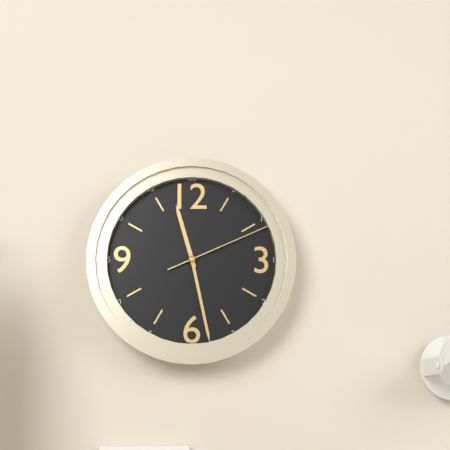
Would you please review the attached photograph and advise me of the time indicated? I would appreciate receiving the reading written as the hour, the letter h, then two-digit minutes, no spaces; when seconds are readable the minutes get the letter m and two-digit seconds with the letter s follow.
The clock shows 11h28m11s
